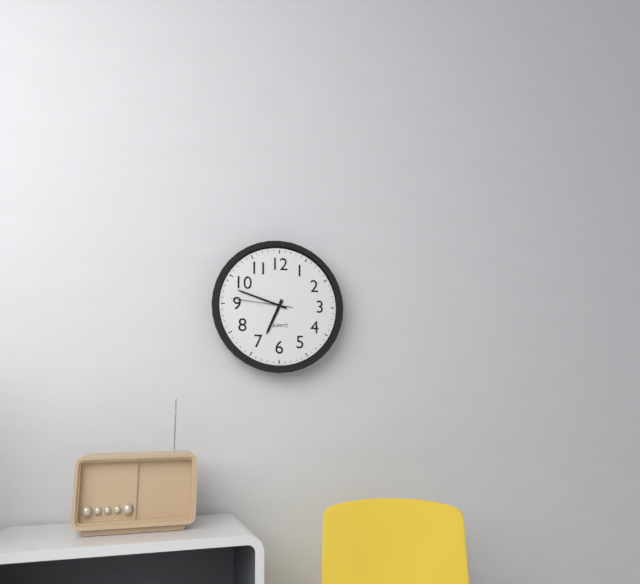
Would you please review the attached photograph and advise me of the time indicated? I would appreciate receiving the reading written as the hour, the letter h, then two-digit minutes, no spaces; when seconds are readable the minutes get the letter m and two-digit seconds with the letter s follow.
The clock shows 6h48m46s
